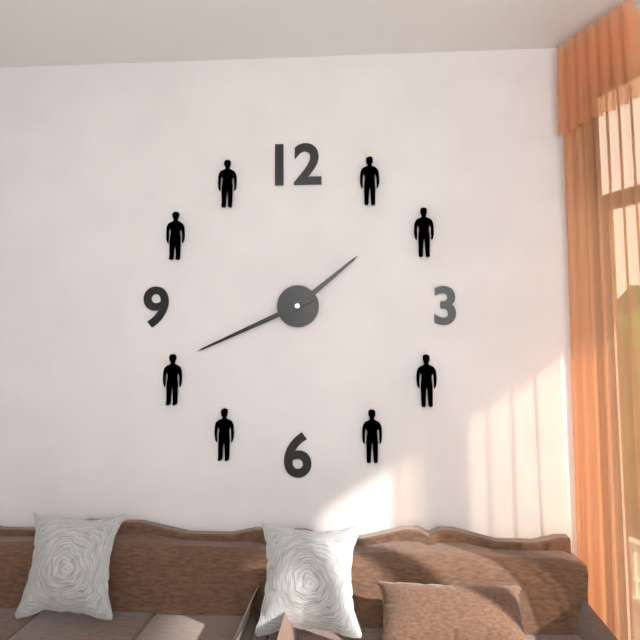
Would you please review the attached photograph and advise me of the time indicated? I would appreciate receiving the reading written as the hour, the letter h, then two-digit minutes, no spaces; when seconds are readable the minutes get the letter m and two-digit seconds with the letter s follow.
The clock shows 1h41
